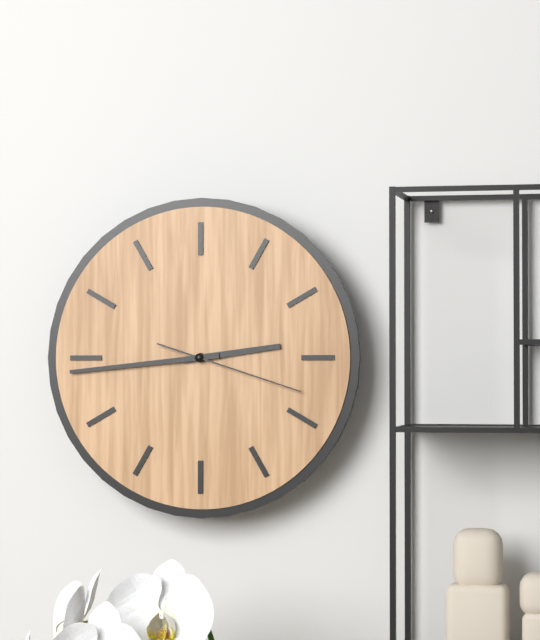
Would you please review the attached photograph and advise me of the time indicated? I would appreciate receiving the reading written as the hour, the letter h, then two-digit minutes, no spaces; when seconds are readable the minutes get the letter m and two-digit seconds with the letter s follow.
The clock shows 2h44m18s
